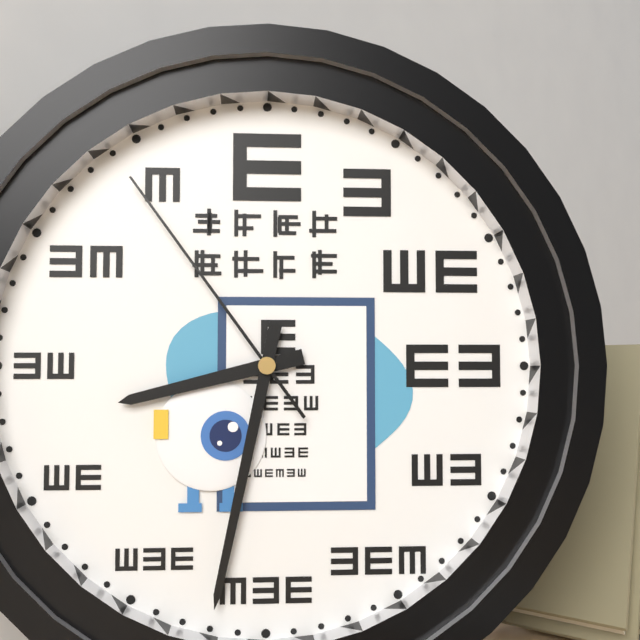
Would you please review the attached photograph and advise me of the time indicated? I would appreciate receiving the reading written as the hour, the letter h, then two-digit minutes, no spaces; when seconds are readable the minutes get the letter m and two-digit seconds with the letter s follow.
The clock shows 8h32m54s
